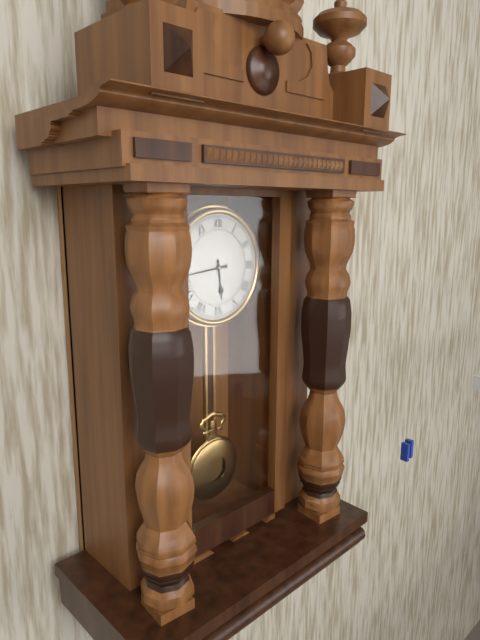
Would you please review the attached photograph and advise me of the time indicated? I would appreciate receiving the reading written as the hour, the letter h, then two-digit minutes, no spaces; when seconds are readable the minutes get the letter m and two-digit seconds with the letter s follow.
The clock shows 5h44
